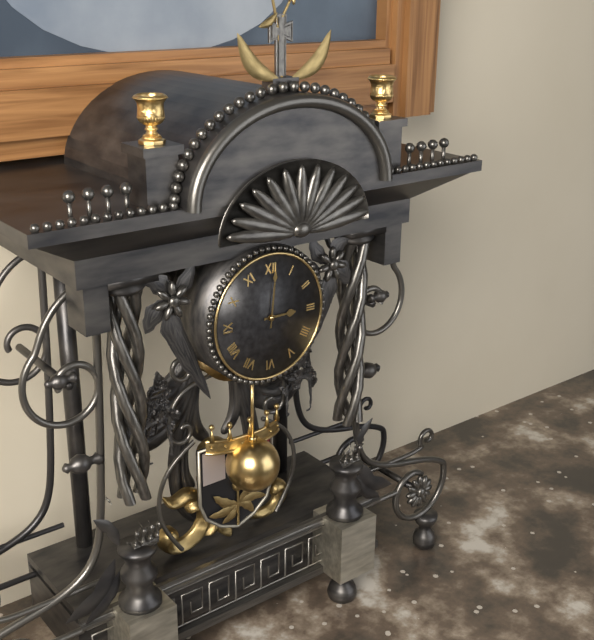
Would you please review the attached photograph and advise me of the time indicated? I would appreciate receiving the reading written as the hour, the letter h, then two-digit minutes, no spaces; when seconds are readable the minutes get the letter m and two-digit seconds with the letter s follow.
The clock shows 3h01
